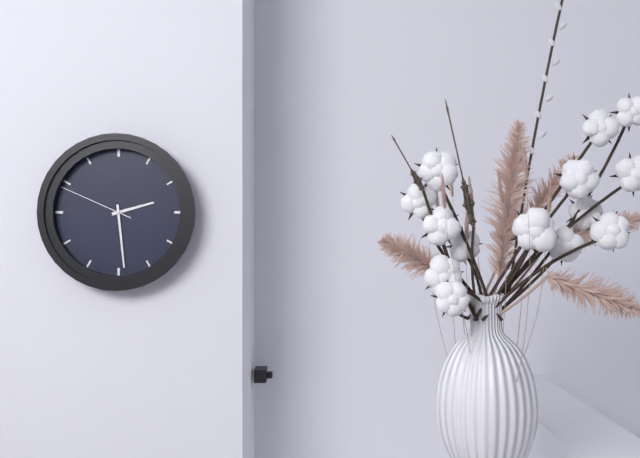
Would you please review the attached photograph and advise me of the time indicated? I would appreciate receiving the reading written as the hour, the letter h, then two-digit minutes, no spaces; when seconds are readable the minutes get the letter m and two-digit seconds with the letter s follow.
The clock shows 2h29m49s
